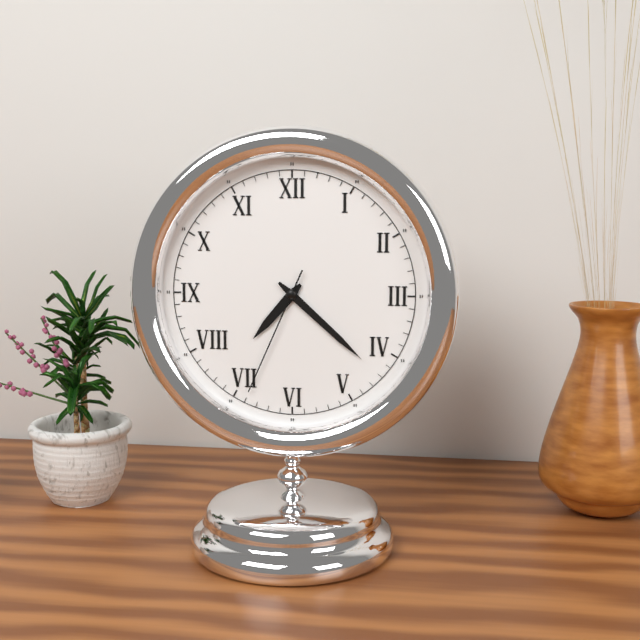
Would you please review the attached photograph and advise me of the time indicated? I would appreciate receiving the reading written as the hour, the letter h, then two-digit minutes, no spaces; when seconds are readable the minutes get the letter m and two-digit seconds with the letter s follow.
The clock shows 7h22m34s
